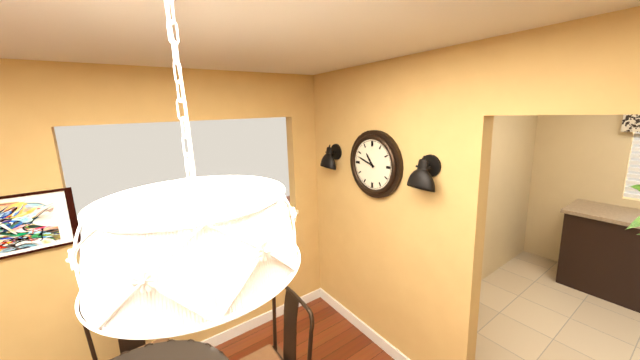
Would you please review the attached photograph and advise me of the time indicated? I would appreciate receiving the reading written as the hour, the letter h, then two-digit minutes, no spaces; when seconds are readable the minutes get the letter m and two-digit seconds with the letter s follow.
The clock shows 10h48
